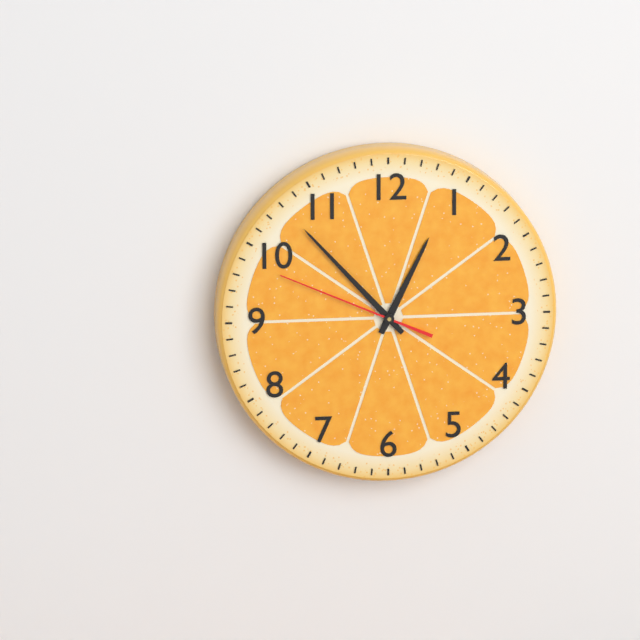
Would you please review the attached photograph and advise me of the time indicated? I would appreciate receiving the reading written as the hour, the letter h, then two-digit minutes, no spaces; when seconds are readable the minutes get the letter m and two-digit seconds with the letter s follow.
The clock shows 12h53m49s
